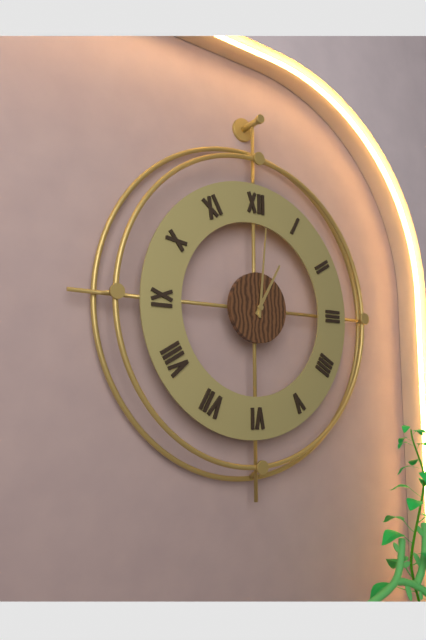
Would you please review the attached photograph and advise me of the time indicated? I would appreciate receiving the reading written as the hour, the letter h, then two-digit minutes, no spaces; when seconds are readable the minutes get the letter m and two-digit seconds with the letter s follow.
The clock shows 1h01
